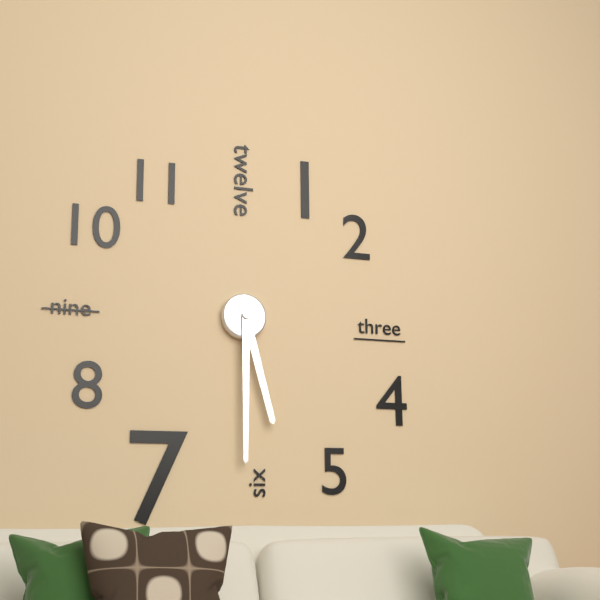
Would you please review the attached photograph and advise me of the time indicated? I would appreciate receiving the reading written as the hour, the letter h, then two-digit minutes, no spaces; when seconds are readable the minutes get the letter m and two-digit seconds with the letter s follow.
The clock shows 5h30
